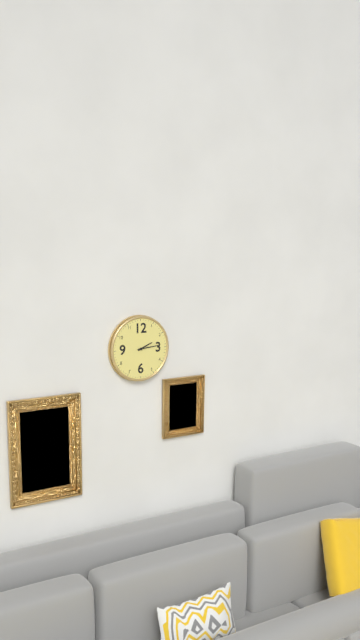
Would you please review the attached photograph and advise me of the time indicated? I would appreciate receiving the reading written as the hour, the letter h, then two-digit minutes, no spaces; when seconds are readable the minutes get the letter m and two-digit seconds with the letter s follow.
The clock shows 2h14
